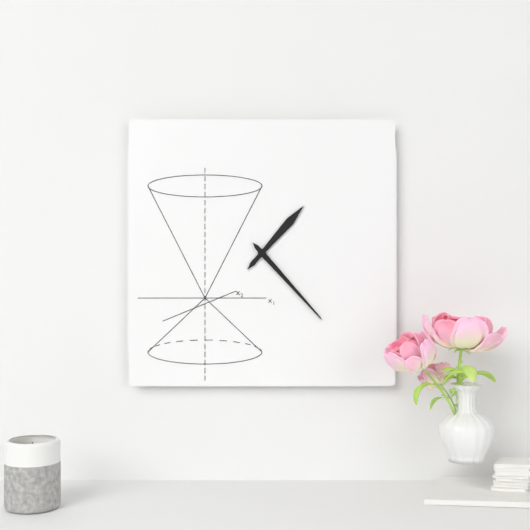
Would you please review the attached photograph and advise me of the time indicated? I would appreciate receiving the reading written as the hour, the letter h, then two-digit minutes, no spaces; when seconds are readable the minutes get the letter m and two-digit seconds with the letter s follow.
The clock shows 1h23
